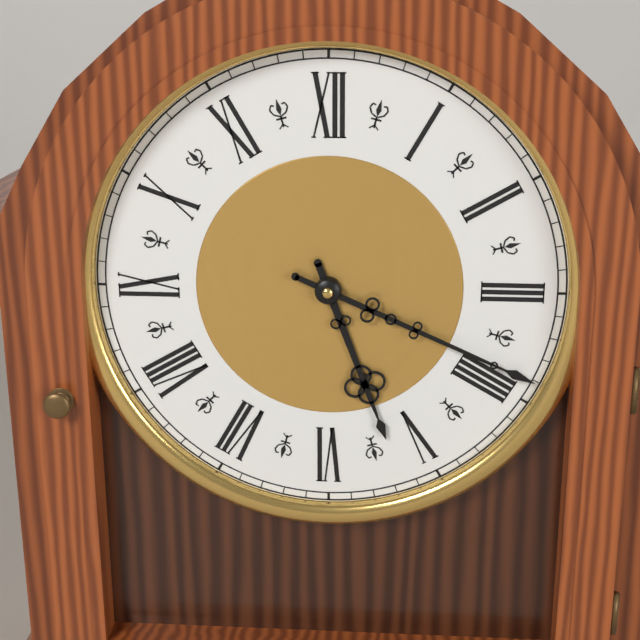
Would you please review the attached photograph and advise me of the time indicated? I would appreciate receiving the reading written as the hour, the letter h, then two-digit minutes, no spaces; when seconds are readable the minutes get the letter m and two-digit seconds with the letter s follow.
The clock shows 5h19
